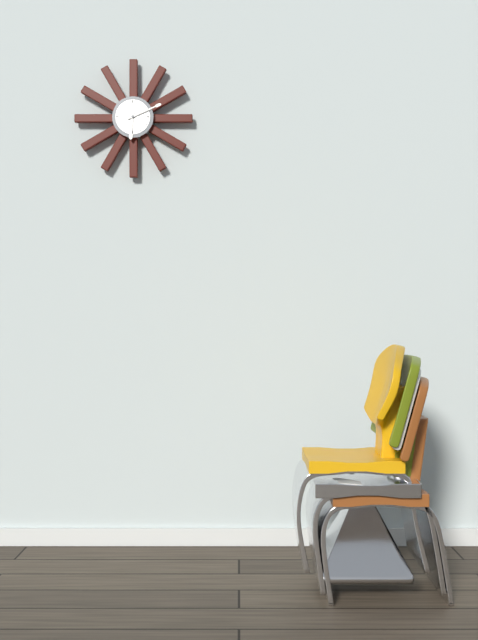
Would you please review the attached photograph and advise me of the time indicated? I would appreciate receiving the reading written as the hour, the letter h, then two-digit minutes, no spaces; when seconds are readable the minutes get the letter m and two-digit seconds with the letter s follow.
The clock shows 6h11
